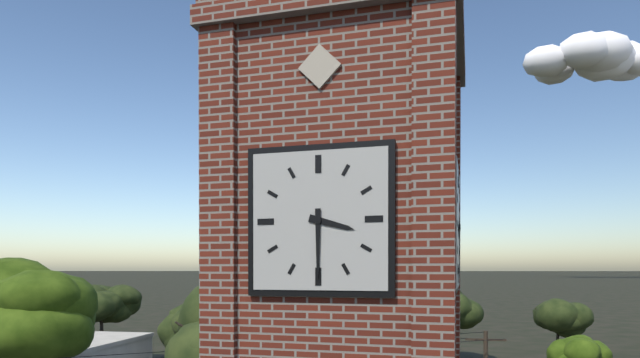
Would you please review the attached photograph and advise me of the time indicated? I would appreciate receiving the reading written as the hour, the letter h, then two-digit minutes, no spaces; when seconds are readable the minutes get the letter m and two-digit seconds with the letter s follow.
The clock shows 3h30
